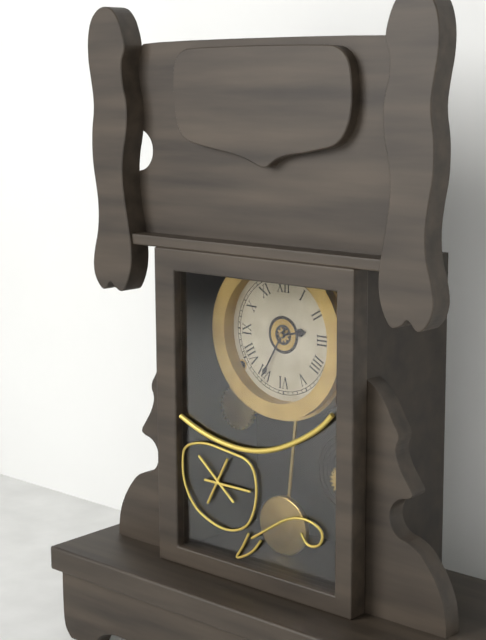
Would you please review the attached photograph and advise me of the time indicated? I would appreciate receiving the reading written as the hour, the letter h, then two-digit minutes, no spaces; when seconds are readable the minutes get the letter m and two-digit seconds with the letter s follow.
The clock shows 2h35
